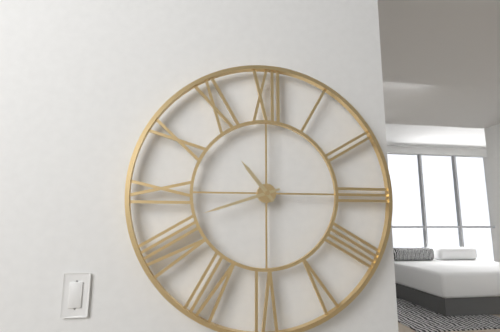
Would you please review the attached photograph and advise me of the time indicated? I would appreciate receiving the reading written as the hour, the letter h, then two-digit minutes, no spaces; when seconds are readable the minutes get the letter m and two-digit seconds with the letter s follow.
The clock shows 10h42
